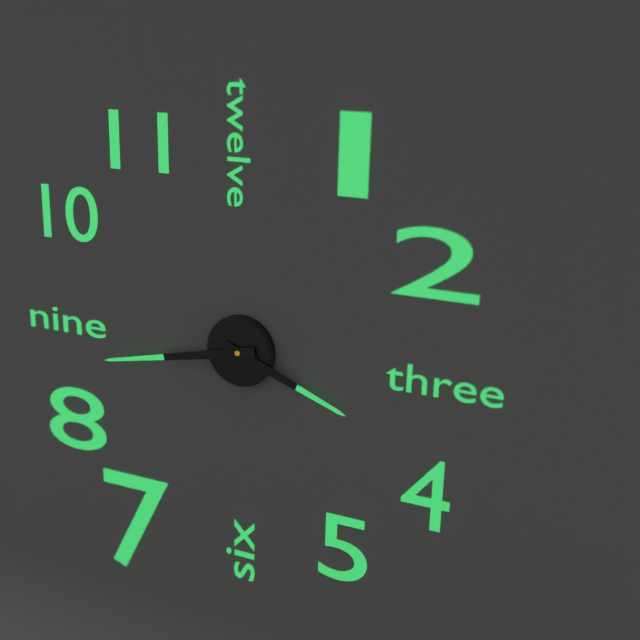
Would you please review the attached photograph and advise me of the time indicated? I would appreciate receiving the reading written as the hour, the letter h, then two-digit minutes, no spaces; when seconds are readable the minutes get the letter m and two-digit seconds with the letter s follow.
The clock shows 3h43
